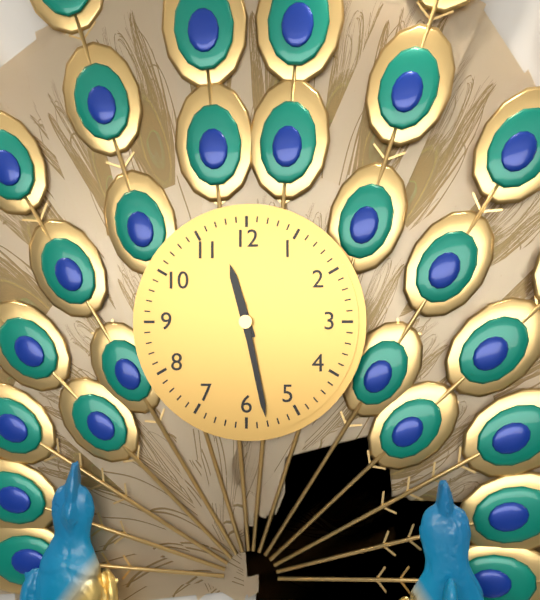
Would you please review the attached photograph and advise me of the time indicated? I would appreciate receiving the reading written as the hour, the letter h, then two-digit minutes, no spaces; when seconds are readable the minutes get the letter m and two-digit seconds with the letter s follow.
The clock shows 11h28
